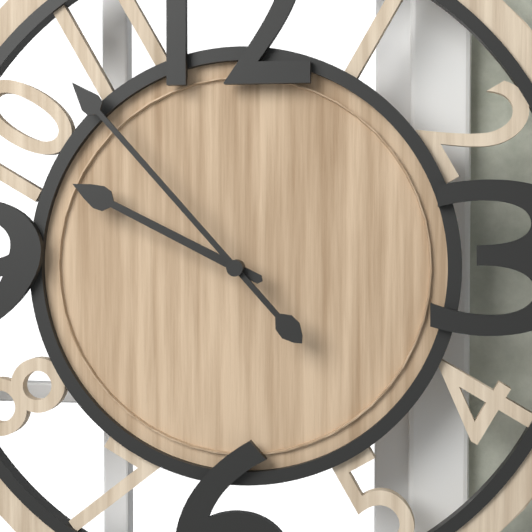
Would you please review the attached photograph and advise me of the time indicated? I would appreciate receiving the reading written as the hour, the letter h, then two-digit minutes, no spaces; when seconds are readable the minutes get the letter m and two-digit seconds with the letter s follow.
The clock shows 9h53
